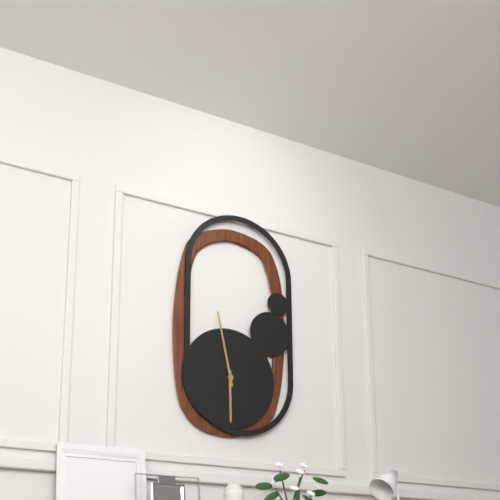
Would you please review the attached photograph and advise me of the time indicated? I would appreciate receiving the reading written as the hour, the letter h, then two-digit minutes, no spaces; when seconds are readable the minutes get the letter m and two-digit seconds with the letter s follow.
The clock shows 5h58
